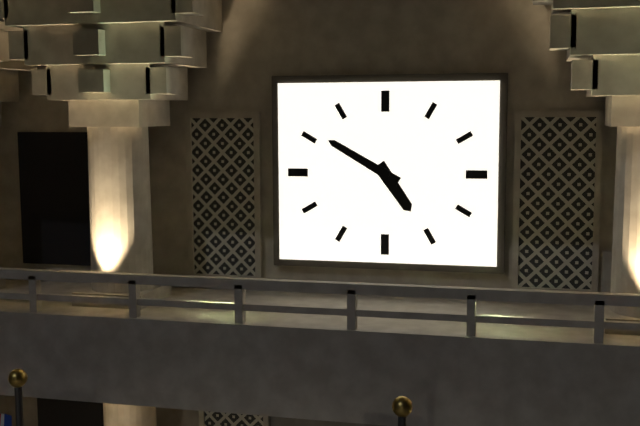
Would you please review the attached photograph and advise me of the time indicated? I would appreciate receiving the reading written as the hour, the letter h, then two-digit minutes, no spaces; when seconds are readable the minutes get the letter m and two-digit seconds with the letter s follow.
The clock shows 4h50
